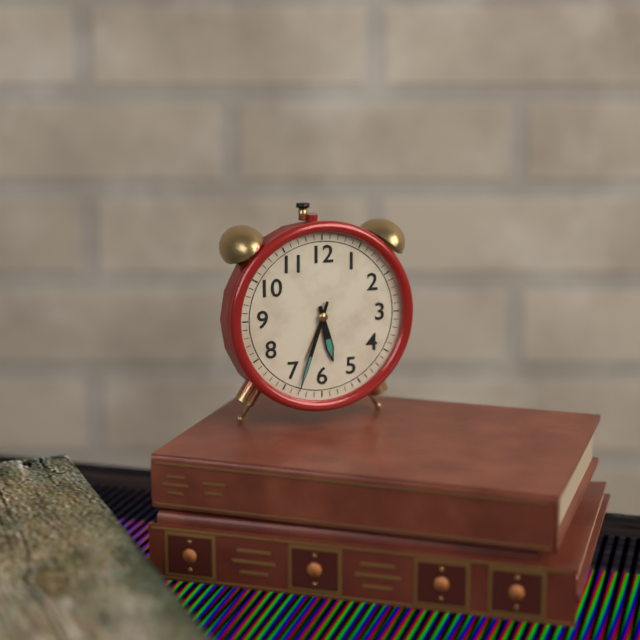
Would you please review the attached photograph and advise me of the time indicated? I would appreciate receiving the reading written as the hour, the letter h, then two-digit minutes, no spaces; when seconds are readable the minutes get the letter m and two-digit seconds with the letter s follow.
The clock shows 5h33
